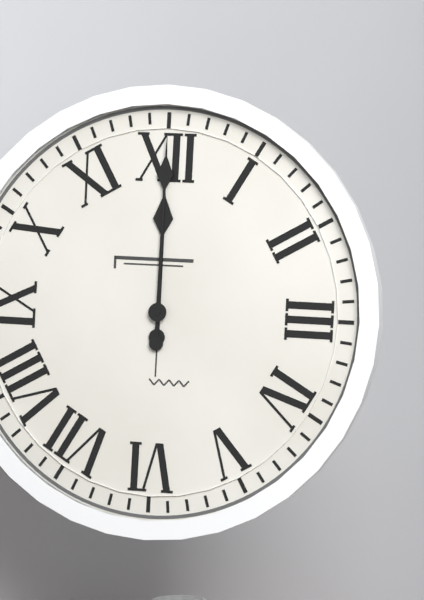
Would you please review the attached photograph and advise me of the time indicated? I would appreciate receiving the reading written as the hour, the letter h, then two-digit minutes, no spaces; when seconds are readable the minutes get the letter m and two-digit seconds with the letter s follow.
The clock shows 12h00
